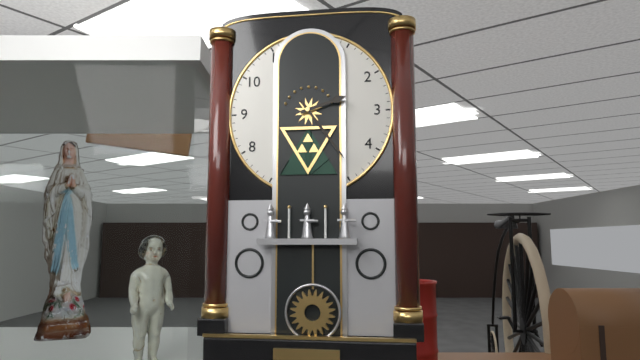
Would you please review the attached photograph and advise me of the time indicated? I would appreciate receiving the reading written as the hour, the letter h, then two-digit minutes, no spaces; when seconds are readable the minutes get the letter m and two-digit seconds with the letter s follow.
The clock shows 2h24
